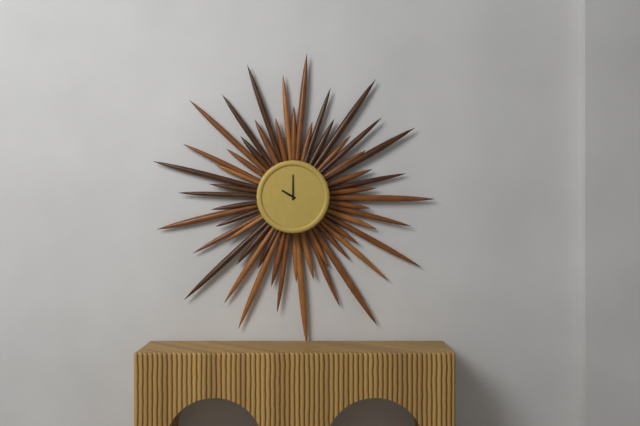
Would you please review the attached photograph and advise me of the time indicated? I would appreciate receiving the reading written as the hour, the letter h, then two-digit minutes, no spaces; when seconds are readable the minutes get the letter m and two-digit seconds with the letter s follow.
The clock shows 10h00
